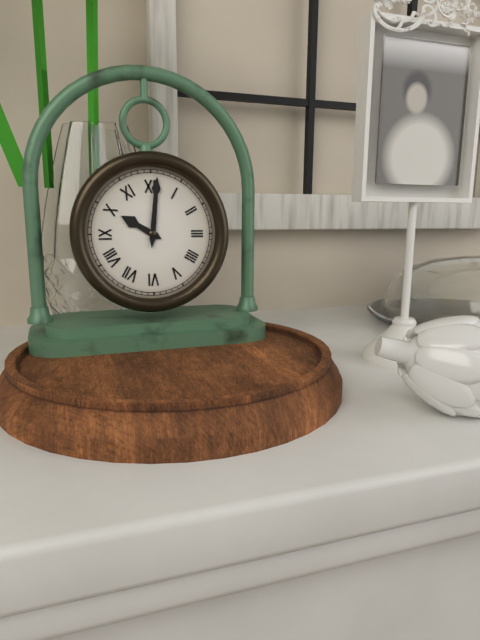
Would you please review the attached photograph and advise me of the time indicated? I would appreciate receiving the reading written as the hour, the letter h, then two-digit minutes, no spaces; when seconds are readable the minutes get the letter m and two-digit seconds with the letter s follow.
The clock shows 10h01
